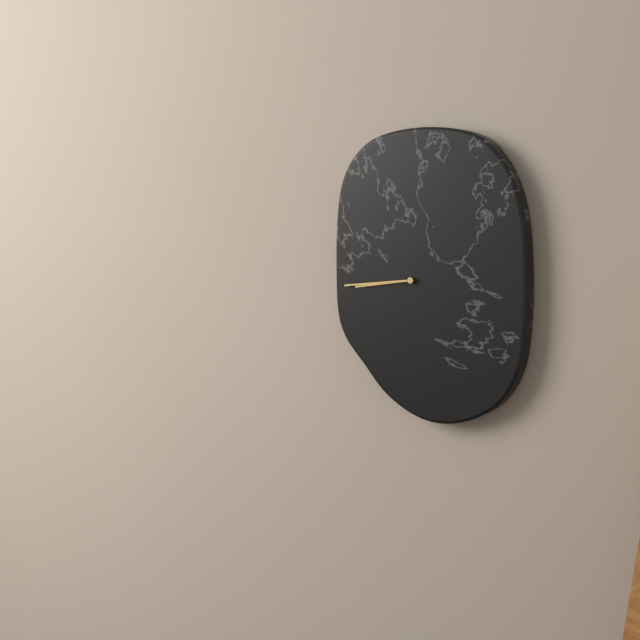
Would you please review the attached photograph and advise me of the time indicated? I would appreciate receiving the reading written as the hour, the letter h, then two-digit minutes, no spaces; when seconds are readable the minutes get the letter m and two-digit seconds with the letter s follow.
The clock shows 8h44
